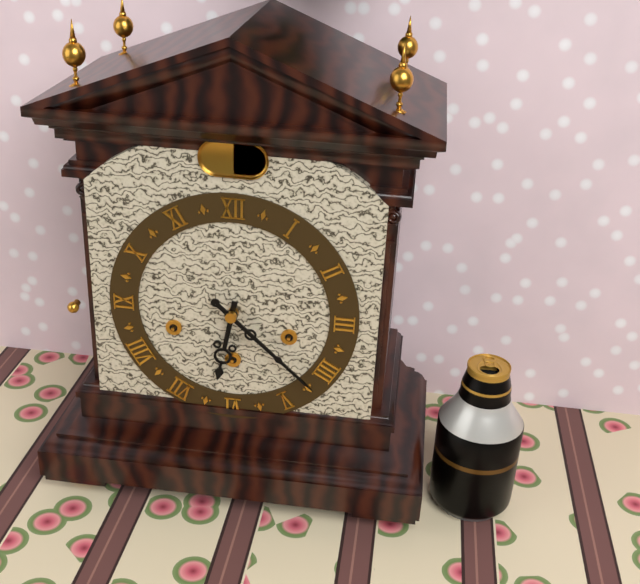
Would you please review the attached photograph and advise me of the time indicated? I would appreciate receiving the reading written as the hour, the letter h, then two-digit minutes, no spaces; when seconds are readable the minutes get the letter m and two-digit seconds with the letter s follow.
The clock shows 6h22
